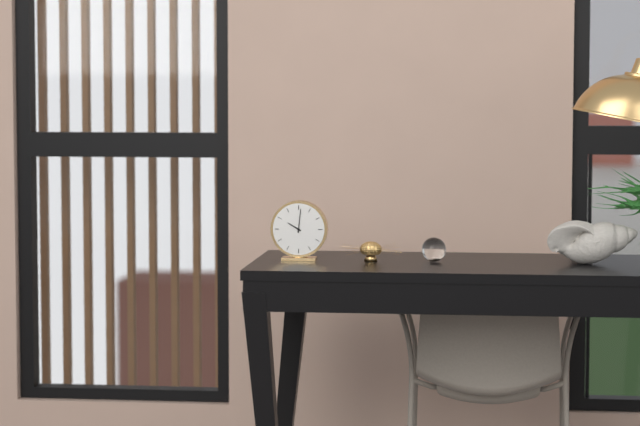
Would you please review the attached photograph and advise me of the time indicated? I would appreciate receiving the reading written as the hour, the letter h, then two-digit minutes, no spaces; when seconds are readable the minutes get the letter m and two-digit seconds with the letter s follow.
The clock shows 10h01
